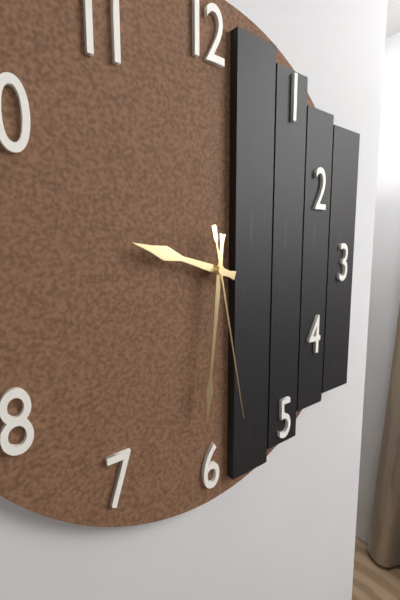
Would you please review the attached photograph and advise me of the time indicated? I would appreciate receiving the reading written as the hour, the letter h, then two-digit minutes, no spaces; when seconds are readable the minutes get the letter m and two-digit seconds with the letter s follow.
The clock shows 9h31m28s
